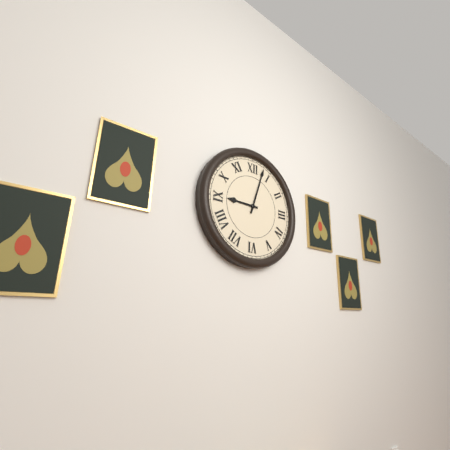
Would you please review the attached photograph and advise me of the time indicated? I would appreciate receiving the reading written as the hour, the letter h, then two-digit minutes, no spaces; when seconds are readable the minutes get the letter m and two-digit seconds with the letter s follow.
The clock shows 9h03
